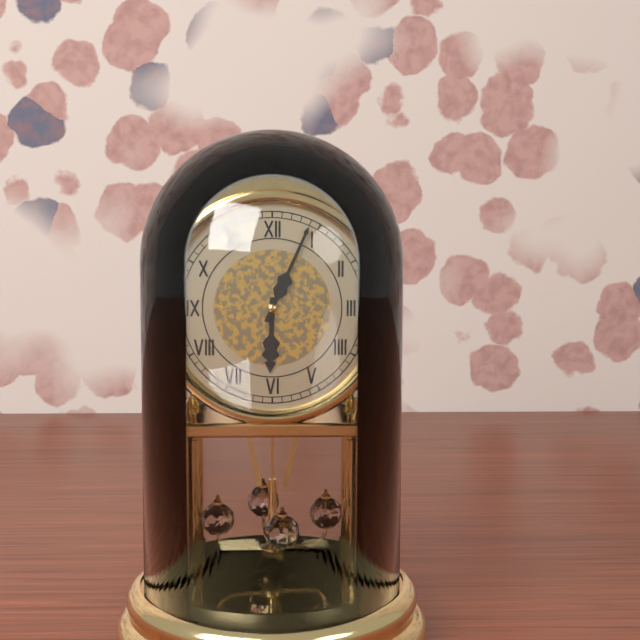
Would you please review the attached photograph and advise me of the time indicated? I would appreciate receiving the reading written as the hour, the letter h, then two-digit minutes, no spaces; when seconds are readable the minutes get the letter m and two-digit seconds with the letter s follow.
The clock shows 6h04
